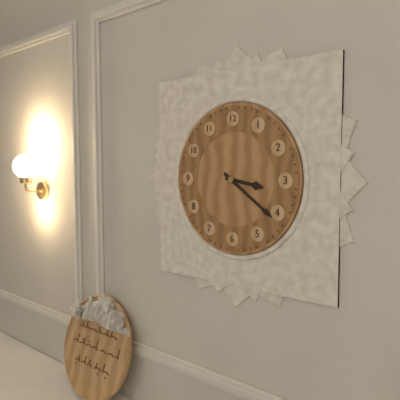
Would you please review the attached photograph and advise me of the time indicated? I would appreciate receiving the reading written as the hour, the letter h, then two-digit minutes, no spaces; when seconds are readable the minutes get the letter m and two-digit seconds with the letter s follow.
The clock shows 3h21
